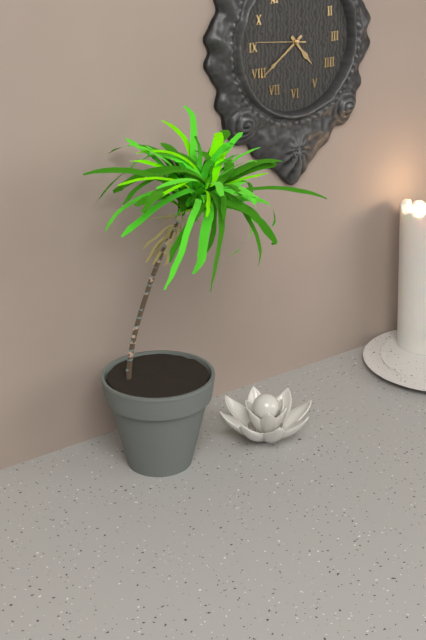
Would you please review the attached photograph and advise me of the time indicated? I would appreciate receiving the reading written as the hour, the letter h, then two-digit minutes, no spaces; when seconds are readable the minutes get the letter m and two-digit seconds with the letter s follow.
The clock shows 4h39m46s
